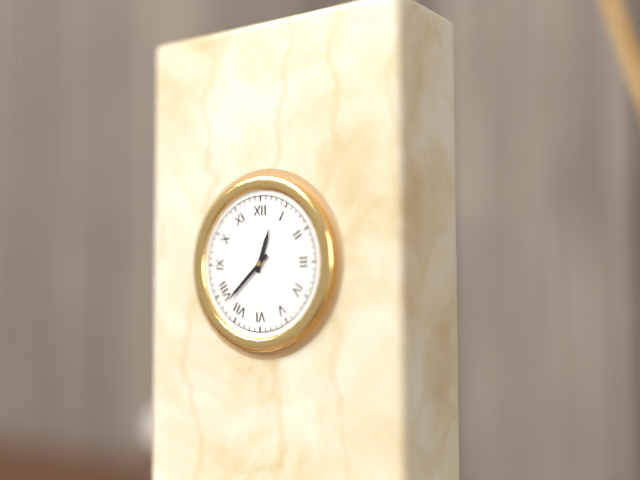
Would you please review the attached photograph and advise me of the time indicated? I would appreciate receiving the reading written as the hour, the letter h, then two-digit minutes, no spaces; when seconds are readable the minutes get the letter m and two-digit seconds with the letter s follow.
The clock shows 12h38
